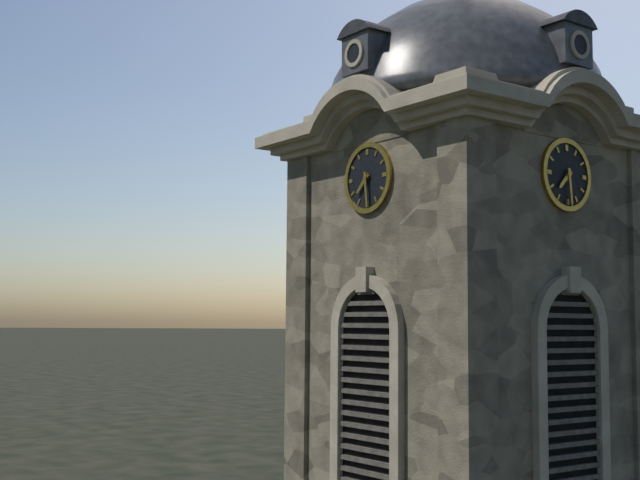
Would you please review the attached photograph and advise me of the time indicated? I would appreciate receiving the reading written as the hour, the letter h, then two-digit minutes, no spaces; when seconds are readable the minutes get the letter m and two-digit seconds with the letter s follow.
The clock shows 7h29
